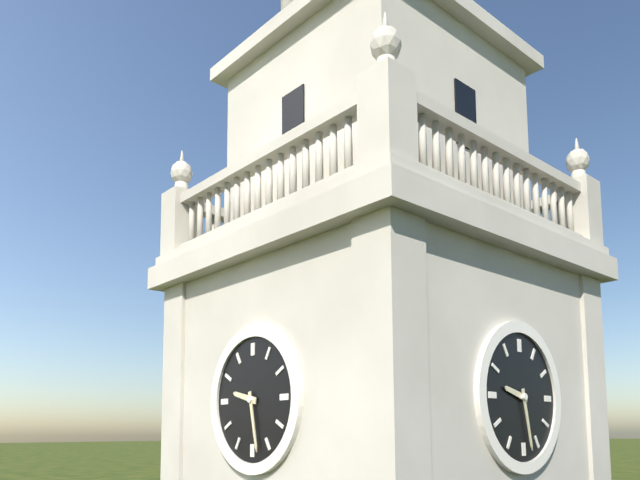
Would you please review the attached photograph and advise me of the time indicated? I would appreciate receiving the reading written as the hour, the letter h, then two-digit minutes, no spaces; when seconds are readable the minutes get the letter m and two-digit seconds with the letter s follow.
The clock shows 9h28
